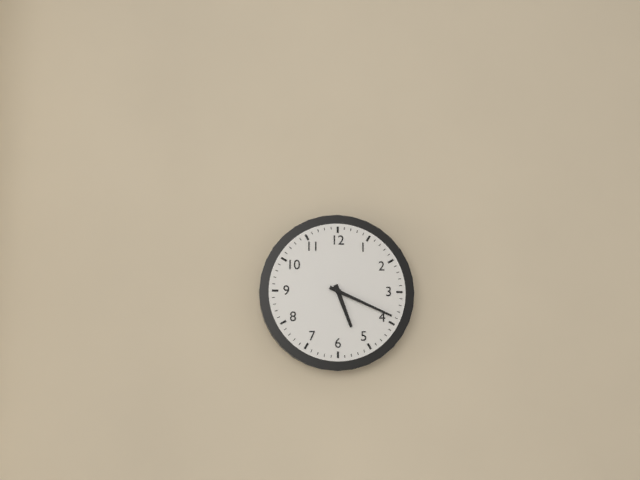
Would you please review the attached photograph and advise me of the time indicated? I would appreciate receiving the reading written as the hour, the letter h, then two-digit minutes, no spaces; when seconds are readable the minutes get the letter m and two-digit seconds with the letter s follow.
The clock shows 5h19
